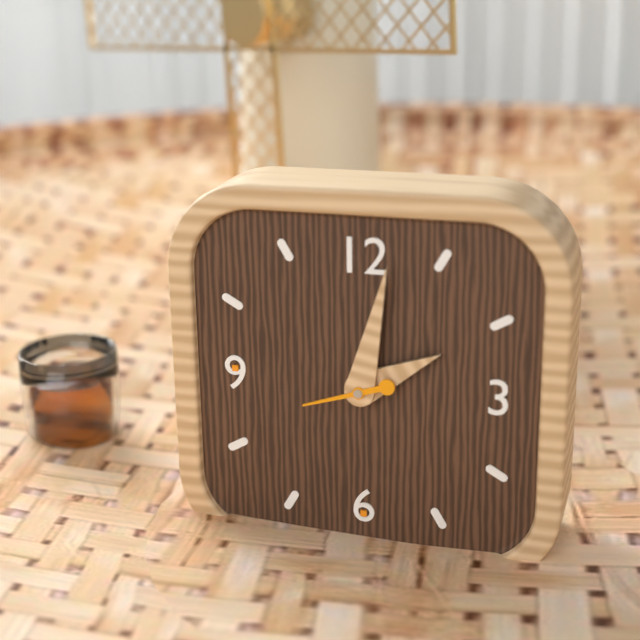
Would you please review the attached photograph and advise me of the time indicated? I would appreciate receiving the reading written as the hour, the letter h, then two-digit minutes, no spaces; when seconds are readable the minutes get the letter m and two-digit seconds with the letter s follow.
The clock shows 2h02m42s
